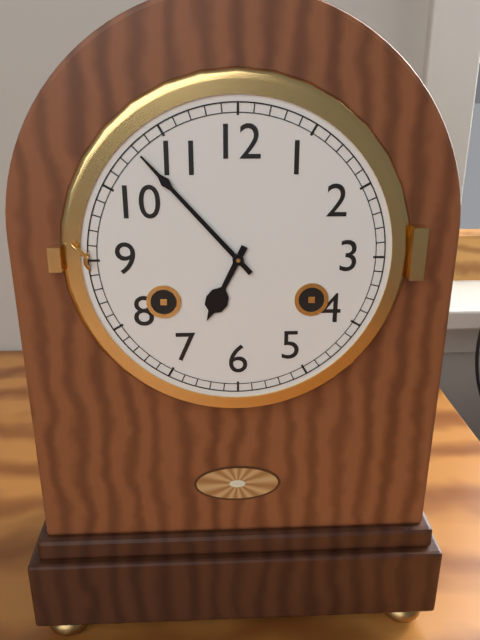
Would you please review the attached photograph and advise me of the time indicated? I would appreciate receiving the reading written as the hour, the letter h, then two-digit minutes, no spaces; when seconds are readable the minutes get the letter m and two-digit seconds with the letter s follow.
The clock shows 6h53
